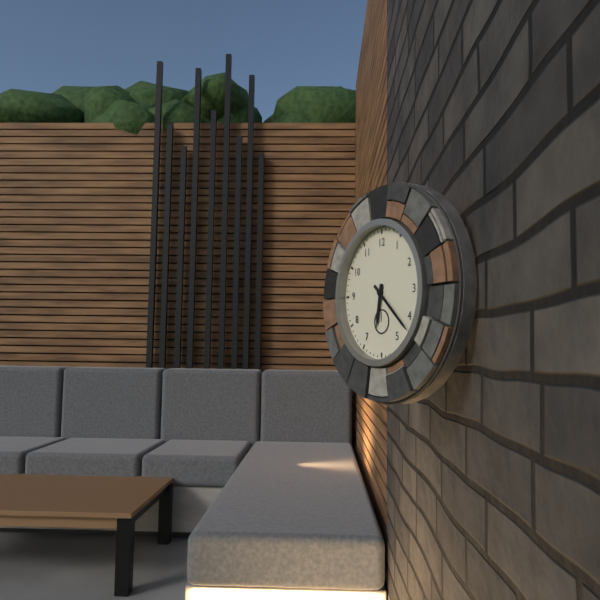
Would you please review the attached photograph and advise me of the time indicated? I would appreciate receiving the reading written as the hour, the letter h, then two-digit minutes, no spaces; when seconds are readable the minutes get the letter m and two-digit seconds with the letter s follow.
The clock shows 6h22
